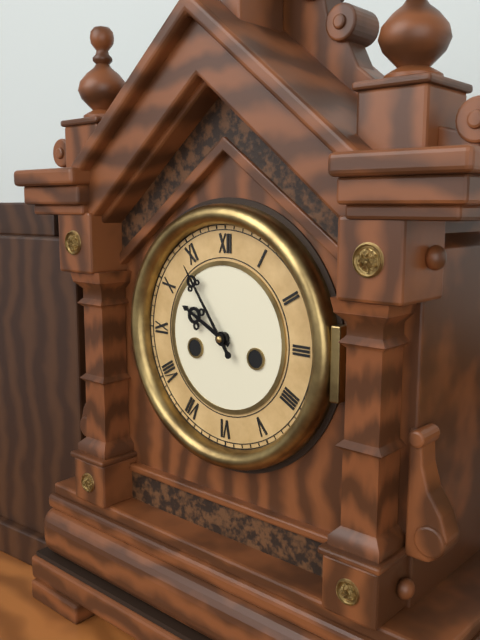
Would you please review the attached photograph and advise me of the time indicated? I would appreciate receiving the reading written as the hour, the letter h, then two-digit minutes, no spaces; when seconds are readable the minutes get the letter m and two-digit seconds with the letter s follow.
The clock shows 9h54
